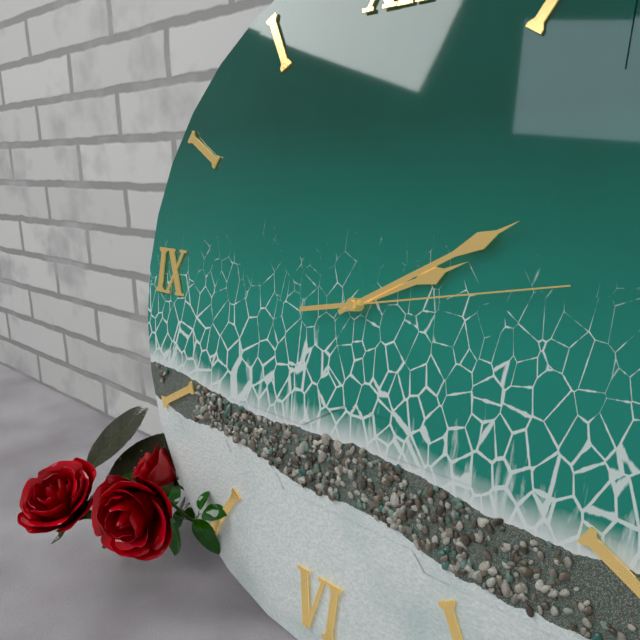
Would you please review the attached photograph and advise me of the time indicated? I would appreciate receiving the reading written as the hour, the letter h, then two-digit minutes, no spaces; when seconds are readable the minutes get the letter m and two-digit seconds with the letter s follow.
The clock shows 2h10m13s
